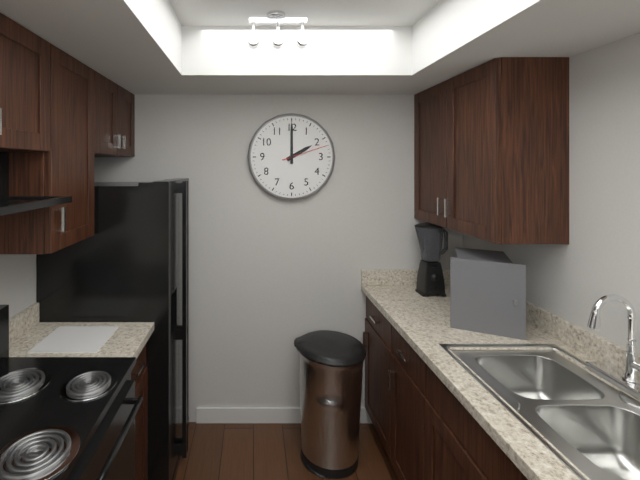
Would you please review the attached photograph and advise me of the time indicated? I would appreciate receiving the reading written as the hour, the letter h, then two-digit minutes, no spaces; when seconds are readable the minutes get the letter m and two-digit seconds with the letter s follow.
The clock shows 2h00
